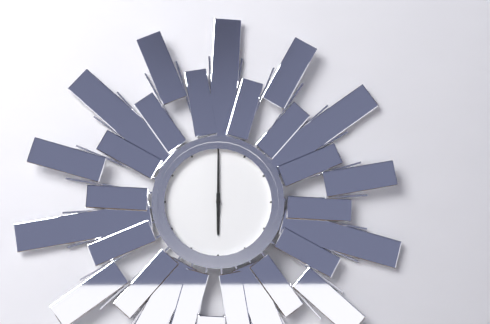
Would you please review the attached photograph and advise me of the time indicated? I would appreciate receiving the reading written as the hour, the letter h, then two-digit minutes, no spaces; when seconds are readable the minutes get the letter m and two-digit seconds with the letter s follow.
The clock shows 6h00
